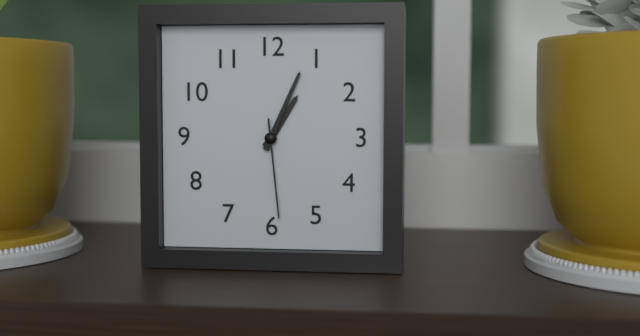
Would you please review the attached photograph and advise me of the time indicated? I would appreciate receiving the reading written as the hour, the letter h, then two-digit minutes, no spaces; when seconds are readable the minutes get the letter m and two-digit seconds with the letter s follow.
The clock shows 1h04m29s
